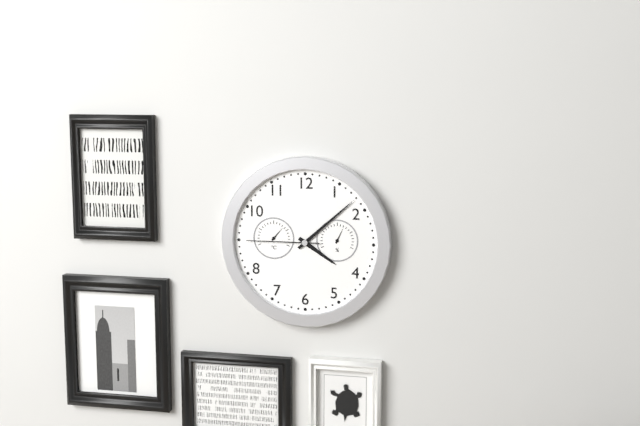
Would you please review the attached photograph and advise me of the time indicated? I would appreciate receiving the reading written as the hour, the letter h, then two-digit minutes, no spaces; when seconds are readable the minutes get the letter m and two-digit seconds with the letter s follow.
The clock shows 4h08m45s
